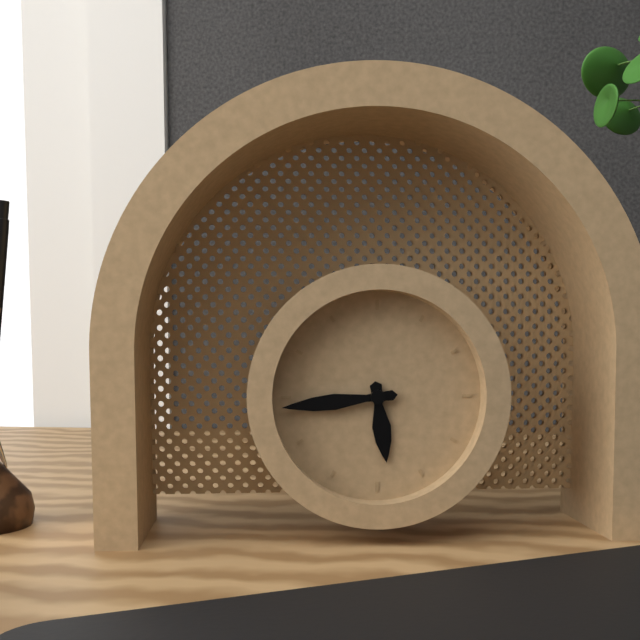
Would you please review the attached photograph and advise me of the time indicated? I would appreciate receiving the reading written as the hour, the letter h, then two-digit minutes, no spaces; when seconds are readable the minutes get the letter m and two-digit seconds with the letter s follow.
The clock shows 5h44
